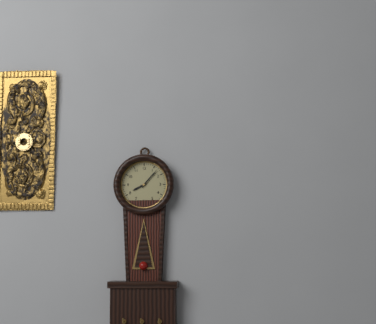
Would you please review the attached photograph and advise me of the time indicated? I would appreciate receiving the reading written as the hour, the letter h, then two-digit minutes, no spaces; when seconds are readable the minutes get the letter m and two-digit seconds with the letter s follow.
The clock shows 8h07
